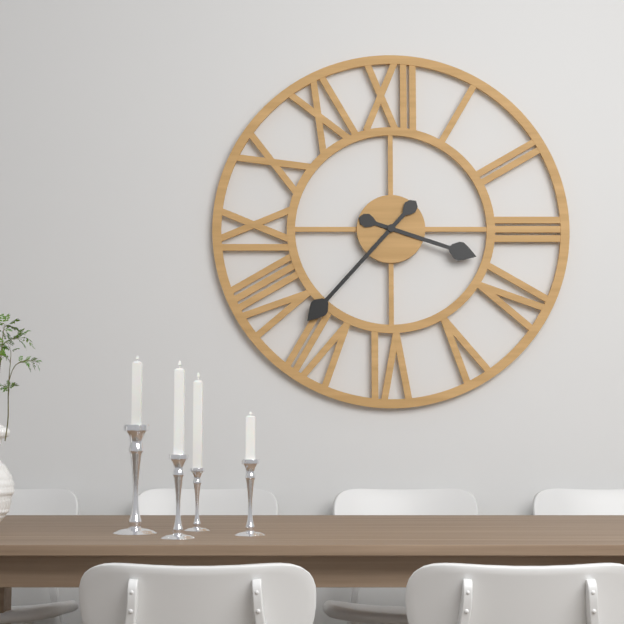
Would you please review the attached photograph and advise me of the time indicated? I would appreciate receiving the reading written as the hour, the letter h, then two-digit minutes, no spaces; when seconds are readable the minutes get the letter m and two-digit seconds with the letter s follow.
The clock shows 3h37
